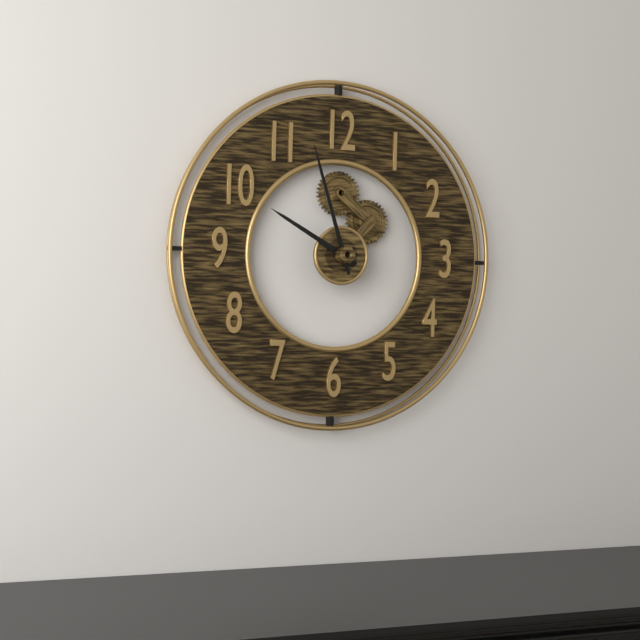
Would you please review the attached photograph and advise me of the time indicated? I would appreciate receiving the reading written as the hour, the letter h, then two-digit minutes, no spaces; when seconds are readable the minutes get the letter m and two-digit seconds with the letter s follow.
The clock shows 9h57
